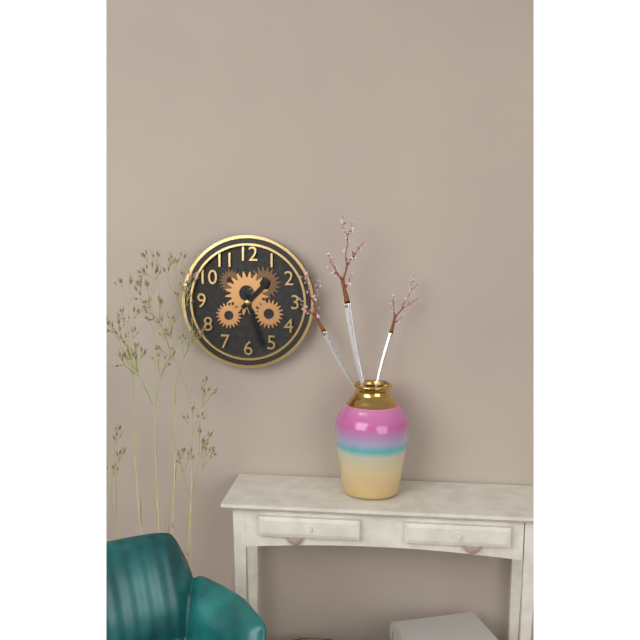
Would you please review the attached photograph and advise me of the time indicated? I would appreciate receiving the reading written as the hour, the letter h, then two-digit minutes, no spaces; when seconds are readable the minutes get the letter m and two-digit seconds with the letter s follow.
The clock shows 1h27
